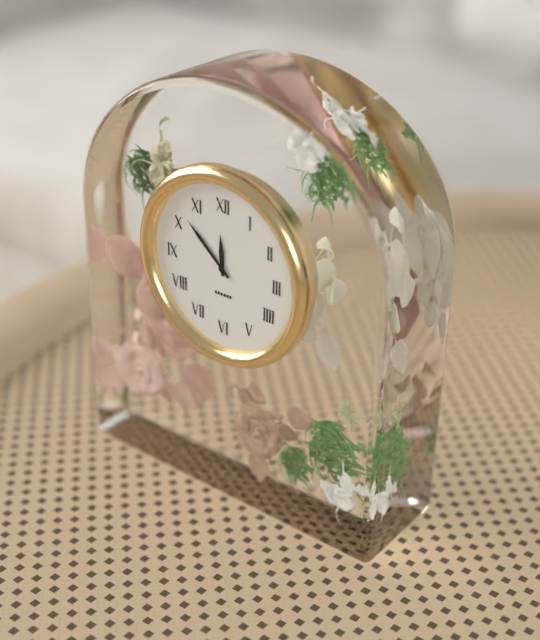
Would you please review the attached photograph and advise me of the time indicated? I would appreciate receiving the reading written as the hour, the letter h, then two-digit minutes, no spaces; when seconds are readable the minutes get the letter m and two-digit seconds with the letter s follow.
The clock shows 11h52
